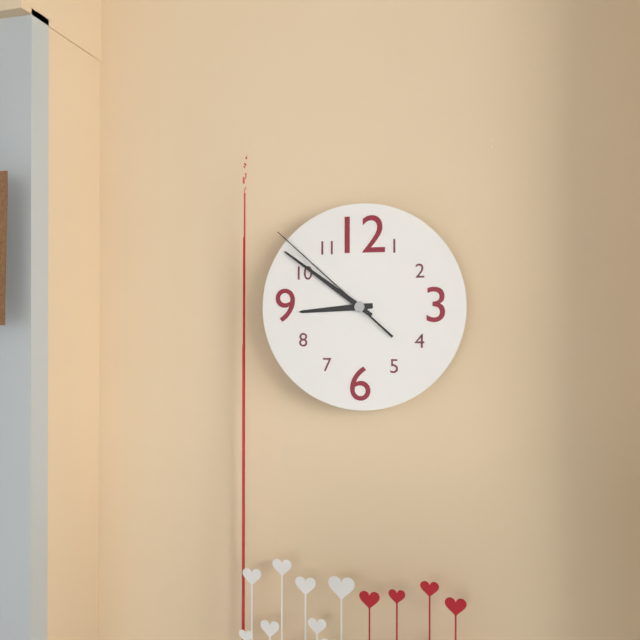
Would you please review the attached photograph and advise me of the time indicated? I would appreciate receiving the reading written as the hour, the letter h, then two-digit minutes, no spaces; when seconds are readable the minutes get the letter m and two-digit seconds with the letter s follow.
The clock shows 8h51m52s
